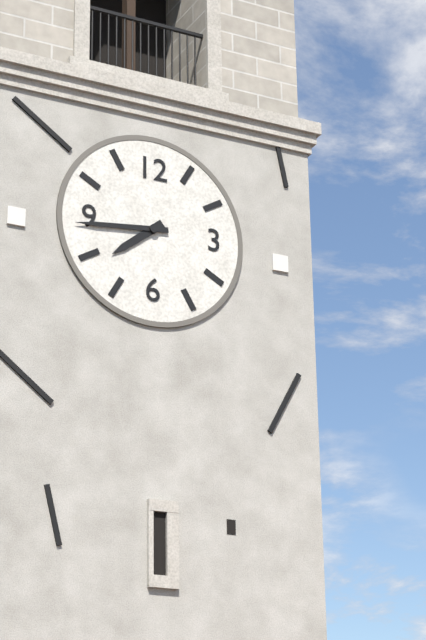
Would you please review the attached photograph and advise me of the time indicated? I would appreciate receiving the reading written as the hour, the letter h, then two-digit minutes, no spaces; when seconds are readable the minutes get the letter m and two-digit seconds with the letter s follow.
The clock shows 7h44
